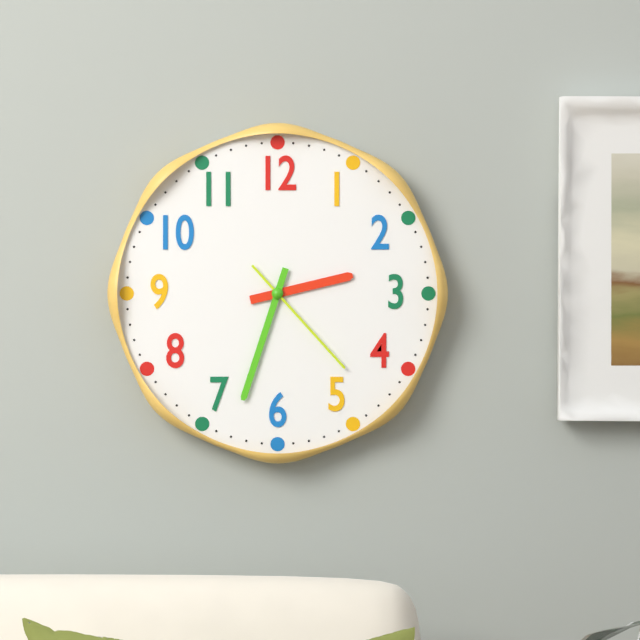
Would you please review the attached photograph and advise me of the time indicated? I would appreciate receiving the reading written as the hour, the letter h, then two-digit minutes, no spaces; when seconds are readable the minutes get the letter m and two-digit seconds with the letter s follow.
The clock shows 2h33m23s
